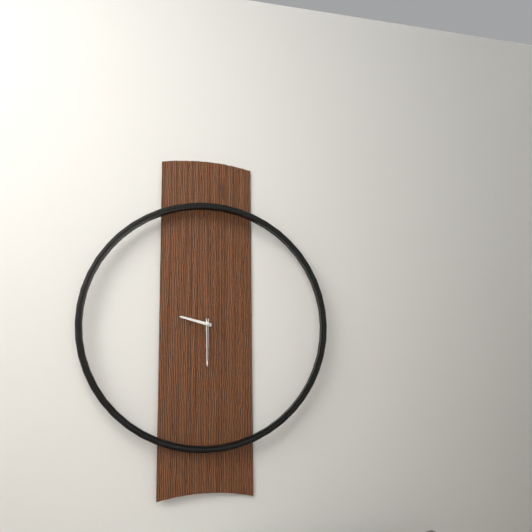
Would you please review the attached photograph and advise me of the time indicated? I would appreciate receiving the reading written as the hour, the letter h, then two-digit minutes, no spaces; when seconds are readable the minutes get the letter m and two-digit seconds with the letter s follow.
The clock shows 9h30
